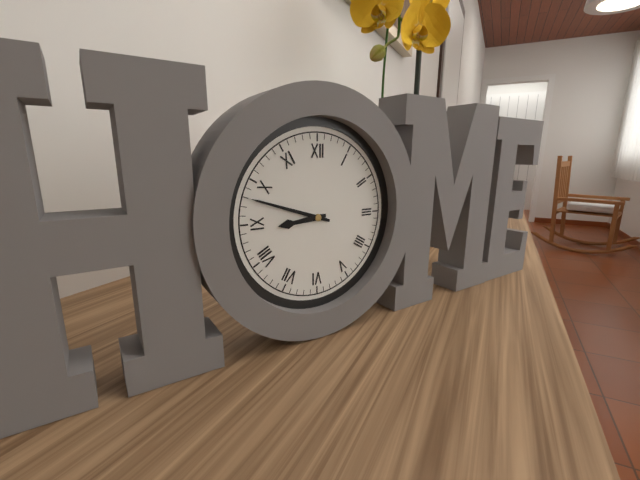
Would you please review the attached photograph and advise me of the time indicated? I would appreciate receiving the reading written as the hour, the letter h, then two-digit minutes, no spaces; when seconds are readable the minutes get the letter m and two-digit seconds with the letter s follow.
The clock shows 8h48
